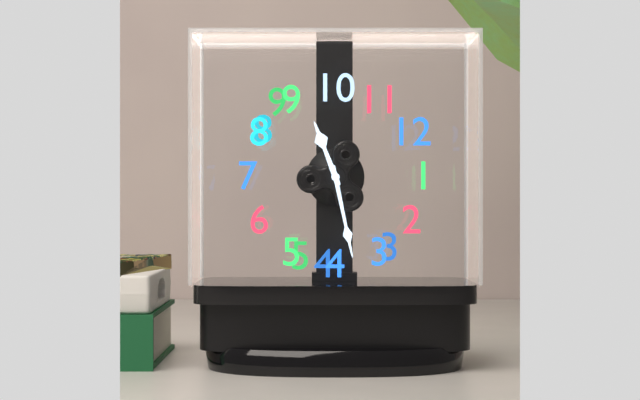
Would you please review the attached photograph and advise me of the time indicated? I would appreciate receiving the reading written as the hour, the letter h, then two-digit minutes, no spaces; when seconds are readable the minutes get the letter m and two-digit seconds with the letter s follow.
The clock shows 9h18
